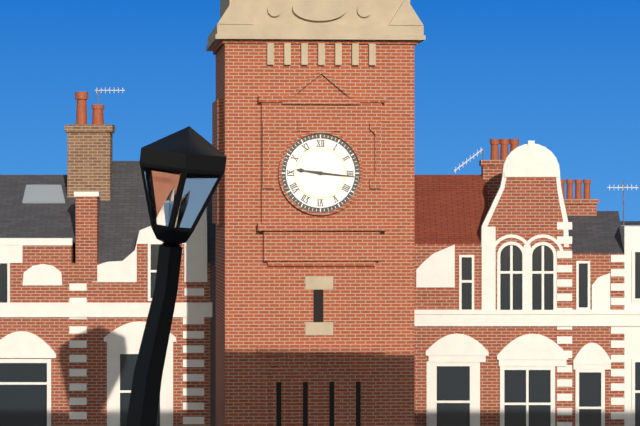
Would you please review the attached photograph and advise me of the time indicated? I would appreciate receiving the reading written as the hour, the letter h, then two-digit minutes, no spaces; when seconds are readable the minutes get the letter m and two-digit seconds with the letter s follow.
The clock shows 9h16
